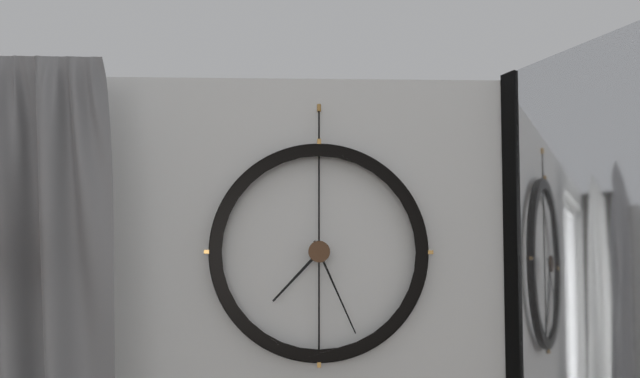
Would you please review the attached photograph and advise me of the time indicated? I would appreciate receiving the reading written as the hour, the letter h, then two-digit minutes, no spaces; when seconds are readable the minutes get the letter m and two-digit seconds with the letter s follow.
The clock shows 7h26
